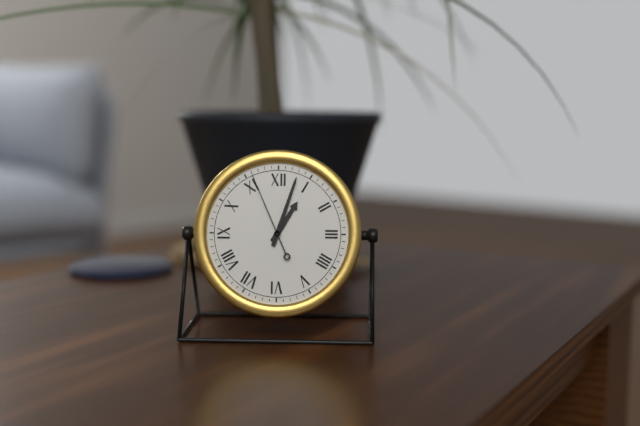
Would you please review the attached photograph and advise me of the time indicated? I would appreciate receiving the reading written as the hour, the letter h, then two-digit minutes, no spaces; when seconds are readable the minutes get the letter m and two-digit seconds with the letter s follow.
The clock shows 1h03m56s
